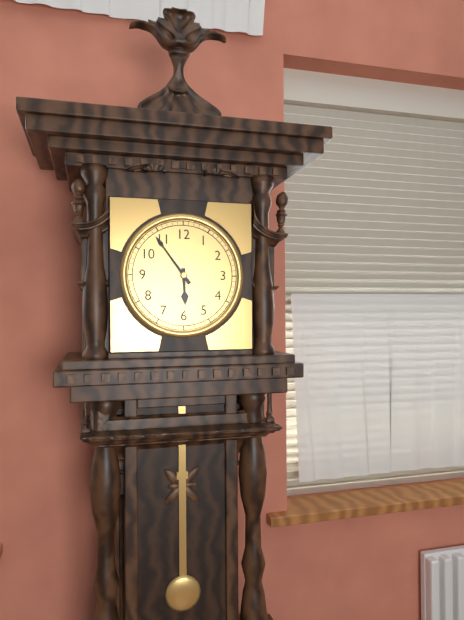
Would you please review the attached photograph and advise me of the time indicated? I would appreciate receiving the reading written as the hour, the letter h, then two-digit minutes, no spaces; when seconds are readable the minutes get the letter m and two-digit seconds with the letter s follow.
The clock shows 5h54
